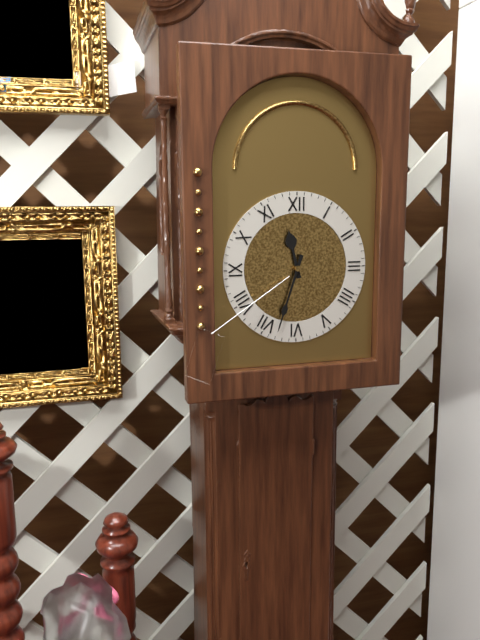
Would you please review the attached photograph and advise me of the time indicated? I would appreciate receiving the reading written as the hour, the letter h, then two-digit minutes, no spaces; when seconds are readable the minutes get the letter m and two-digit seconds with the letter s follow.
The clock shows 11h33
